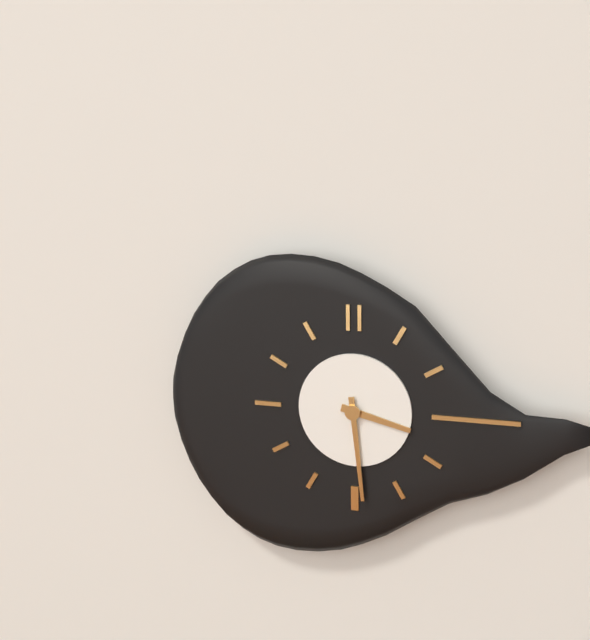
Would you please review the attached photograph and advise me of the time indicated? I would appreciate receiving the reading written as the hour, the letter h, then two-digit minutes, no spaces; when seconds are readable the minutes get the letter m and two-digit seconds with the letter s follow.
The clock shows 3h29
